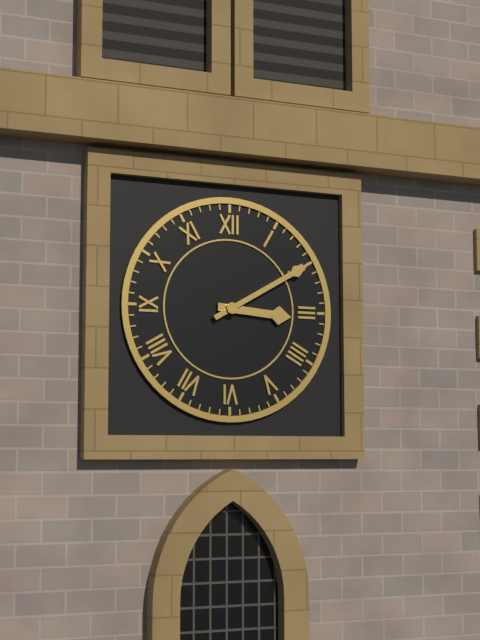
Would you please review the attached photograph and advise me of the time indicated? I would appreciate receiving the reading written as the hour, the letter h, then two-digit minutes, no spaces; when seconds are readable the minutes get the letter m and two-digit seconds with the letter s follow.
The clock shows 3h10
